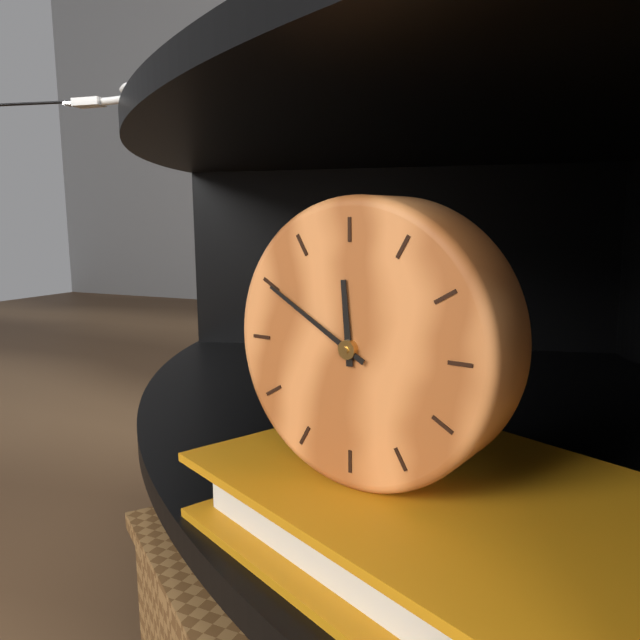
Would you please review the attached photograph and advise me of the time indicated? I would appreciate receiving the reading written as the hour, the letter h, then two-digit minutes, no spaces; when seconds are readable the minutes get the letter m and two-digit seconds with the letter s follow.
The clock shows 11h50
